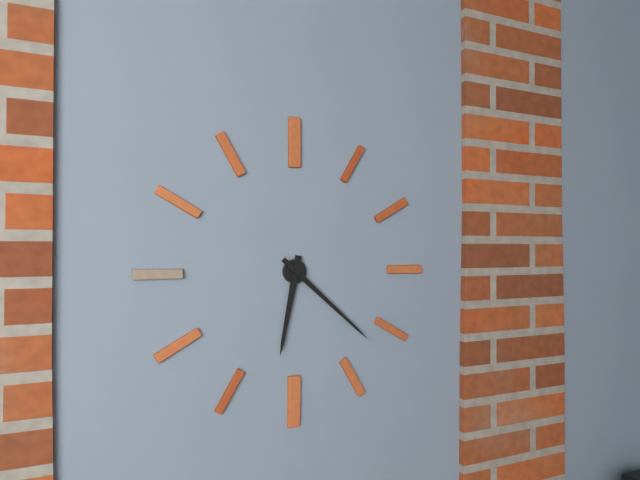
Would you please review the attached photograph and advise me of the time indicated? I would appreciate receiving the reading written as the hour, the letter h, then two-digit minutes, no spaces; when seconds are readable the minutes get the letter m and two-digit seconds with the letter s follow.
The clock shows 6h22
